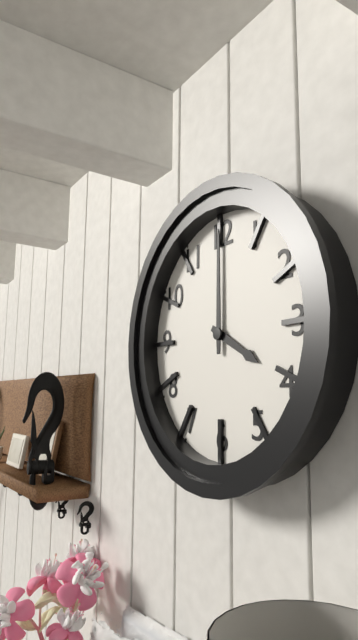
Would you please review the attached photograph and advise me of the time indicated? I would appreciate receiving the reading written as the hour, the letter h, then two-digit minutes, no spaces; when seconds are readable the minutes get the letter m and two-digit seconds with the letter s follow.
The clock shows 4h00
